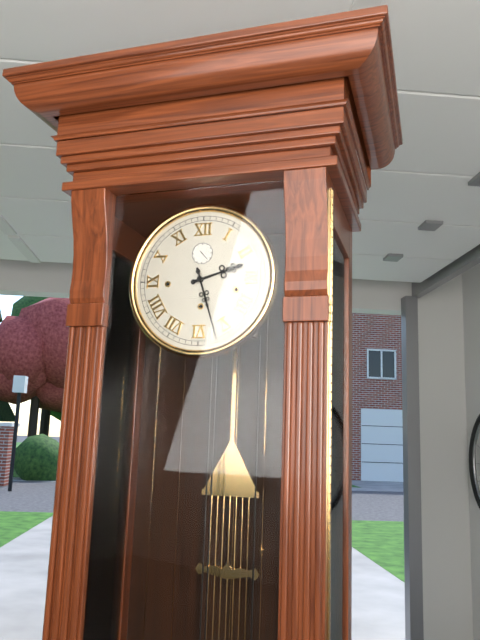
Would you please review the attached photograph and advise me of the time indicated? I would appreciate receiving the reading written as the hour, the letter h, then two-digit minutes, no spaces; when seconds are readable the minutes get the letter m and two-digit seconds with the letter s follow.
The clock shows 2h27
